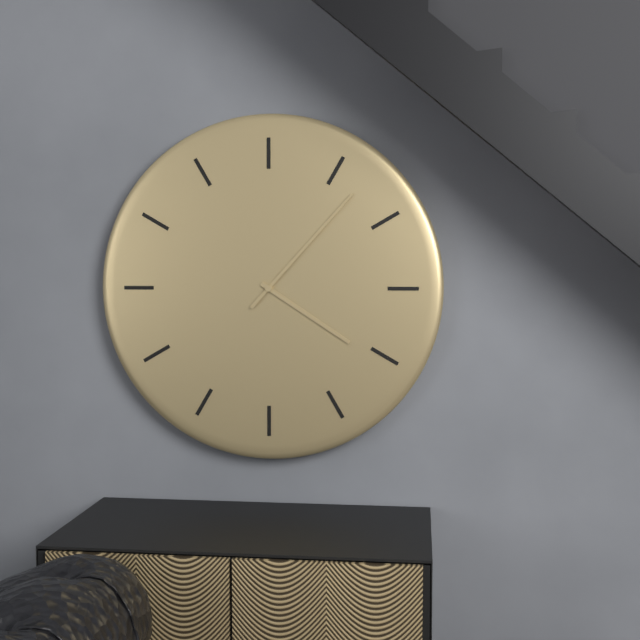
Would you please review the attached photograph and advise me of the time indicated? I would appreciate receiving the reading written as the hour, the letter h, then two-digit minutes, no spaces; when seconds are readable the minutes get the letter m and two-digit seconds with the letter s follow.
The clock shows 4h07
